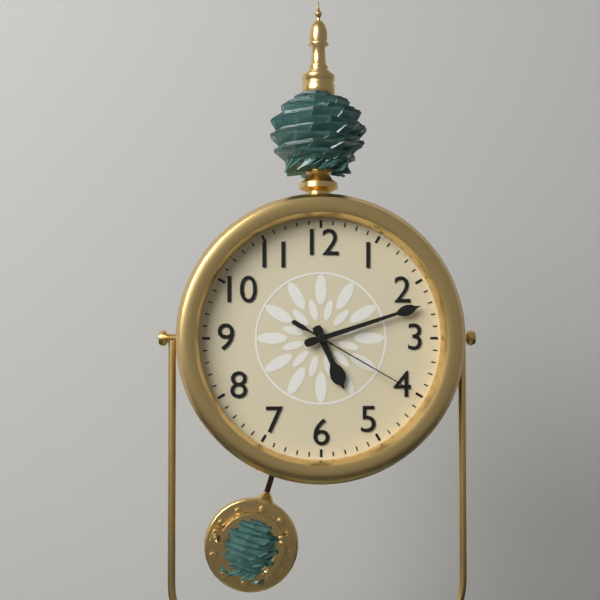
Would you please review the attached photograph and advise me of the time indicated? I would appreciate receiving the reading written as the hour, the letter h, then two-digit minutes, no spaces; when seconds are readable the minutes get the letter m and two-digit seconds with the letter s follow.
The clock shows 5h12m20s
